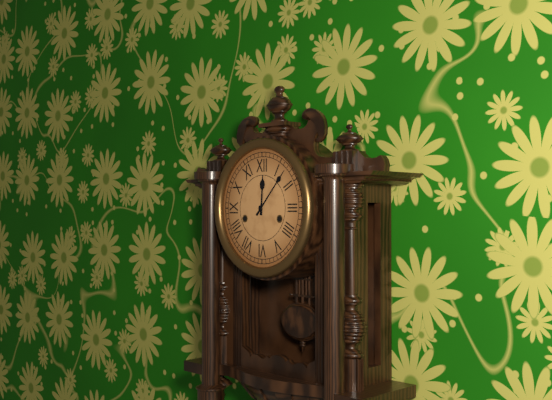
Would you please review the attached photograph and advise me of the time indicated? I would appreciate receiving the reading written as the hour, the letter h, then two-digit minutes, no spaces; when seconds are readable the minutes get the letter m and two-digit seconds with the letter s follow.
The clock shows 12h07
